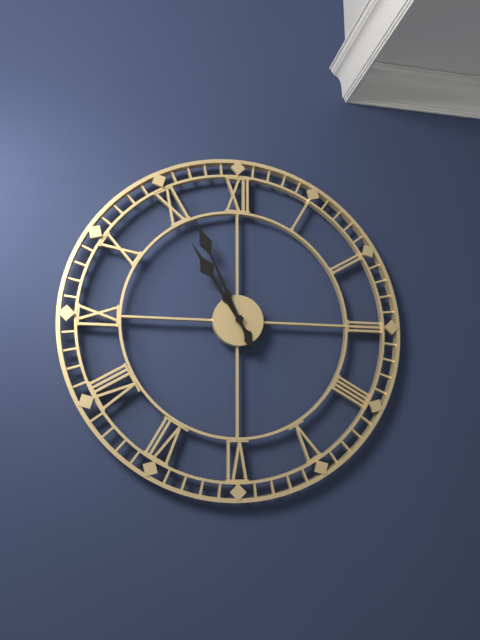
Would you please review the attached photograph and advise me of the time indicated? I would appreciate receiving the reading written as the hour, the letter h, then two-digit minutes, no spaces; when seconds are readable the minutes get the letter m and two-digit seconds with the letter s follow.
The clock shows 10h56
